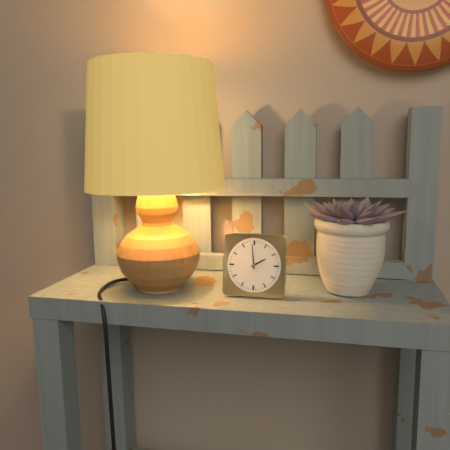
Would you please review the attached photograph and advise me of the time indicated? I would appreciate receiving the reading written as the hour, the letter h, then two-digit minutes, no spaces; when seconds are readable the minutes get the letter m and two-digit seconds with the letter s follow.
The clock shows 1h59
